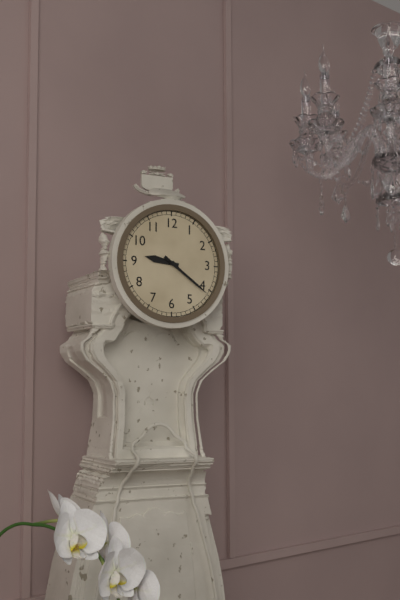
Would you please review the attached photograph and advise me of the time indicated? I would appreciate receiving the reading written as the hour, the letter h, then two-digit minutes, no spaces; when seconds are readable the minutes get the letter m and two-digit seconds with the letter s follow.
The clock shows 9h21
